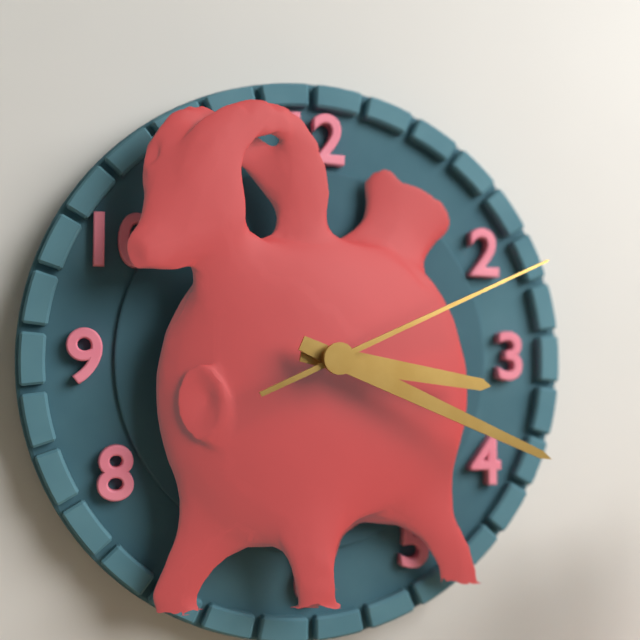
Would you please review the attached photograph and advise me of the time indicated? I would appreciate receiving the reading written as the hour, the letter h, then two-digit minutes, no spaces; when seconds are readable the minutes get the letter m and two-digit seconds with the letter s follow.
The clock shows 3h19m11s
